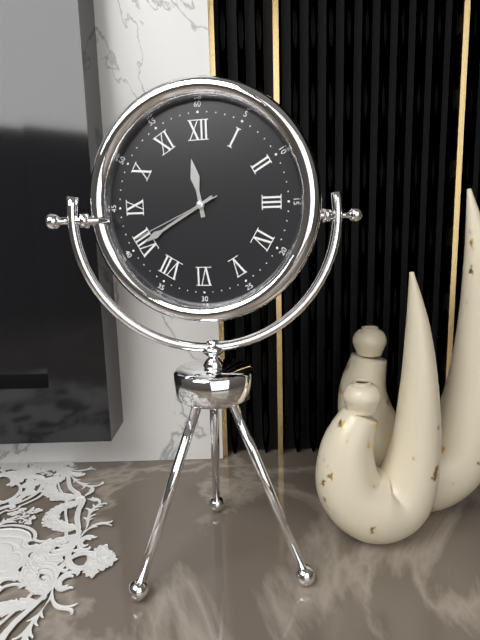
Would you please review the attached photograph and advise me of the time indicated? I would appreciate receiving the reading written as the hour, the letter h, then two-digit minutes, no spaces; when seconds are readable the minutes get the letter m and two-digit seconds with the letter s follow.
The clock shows 11h40m41s
